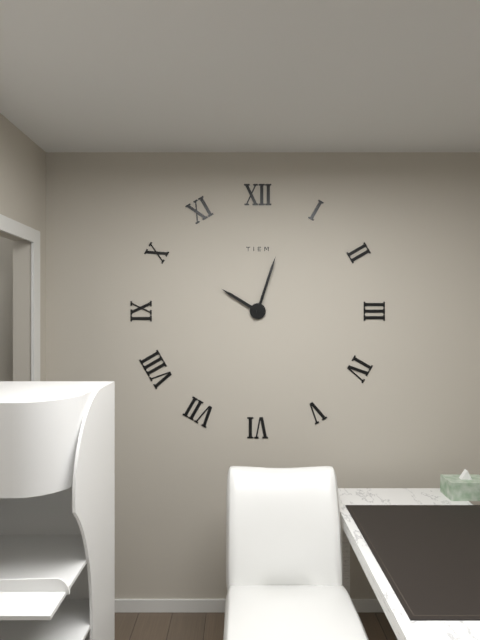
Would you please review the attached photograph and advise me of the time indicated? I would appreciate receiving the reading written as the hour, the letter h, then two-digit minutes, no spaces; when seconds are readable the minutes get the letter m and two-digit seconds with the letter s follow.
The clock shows 10h03
